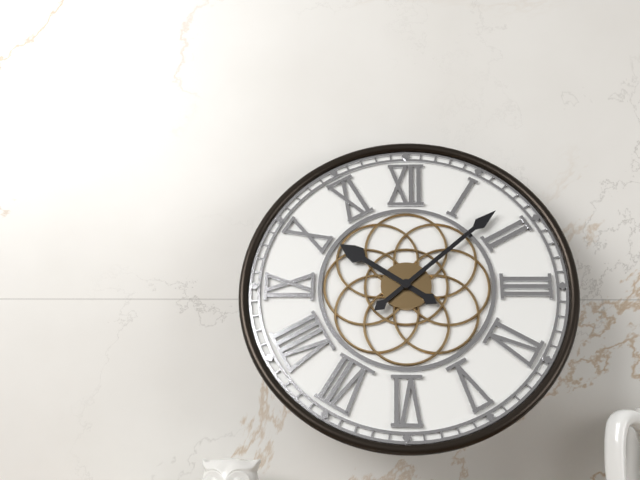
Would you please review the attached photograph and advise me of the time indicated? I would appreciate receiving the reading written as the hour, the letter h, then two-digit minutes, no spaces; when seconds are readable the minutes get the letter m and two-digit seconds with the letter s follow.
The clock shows 10h08
